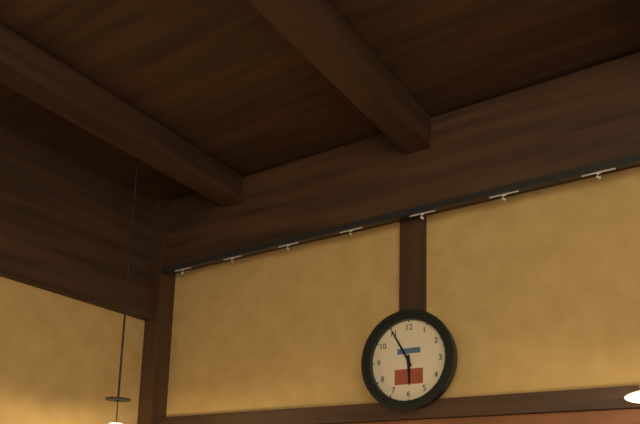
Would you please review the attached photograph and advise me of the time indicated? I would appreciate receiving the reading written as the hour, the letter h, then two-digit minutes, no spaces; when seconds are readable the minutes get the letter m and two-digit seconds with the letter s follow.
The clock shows 5h55
